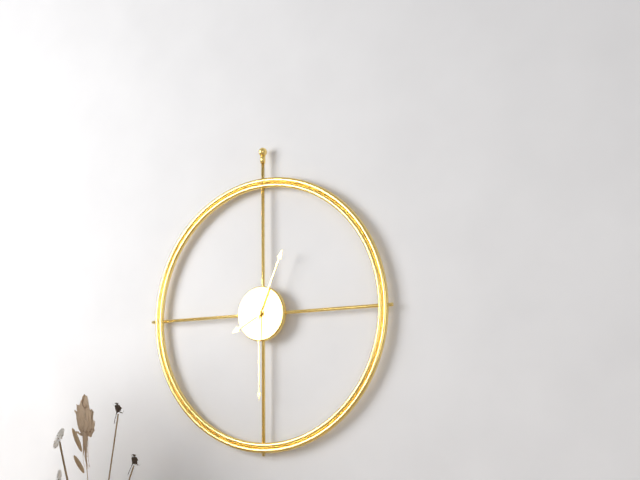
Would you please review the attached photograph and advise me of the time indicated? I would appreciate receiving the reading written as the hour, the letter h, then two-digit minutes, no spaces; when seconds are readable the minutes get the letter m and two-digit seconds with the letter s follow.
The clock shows 8h04m30s
